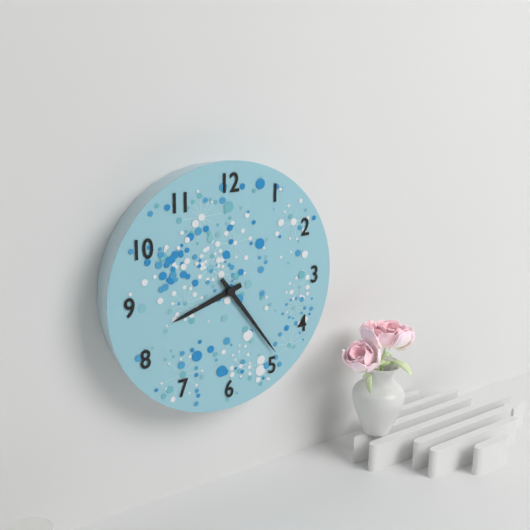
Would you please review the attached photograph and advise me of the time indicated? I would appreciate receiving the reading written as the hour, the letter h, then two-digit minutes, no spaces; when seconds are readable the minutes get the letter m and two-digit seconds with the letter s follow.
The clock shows 8h24
